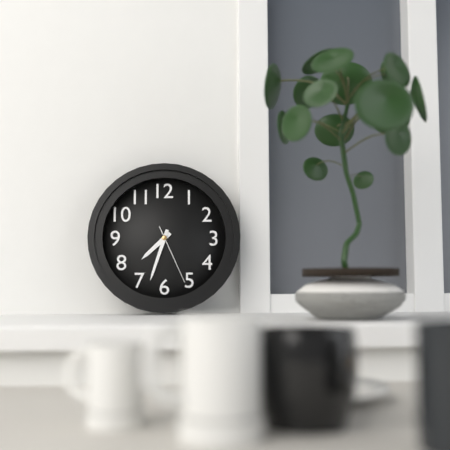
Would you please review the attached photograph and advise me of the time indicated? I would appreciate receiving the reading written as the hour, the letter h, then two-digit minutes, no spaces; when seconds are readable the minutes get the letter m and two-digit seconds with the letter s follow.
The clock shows 7h33m26s
